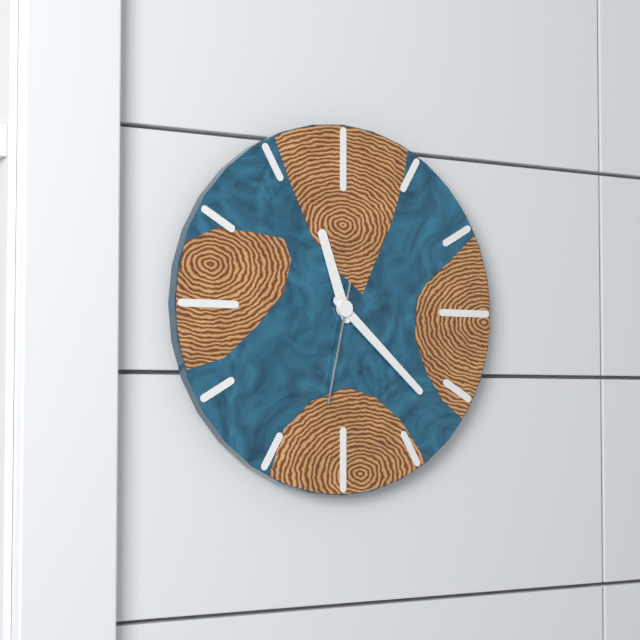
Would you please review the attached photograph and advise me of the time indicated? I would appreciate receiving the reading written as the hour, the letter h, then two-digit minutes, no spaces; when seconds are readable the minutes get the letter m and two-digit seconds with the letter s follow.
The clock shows 11h22m32s
